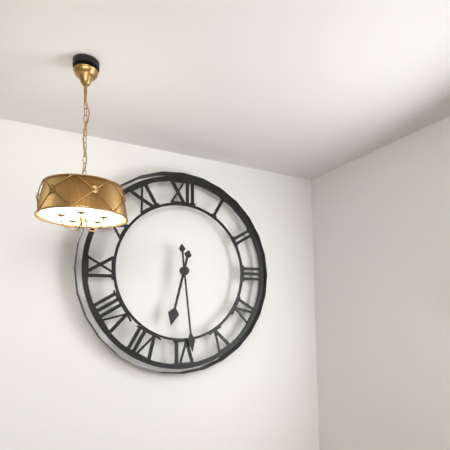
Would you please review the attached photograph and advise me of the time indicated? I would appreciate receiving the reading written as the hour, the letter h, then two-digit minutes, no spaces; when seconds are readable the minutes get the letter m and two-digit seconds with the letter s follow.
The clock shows 6h29
